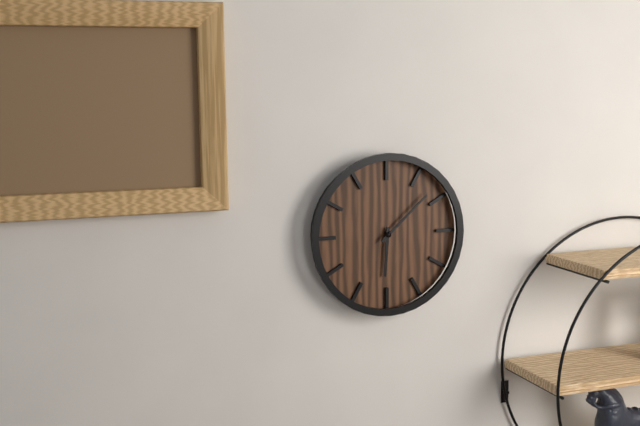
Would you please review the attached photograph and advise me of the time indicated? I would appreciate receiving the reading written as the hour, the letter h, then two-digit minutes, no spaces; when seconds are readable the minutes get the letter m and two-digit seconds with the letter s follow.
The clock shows 6h08
